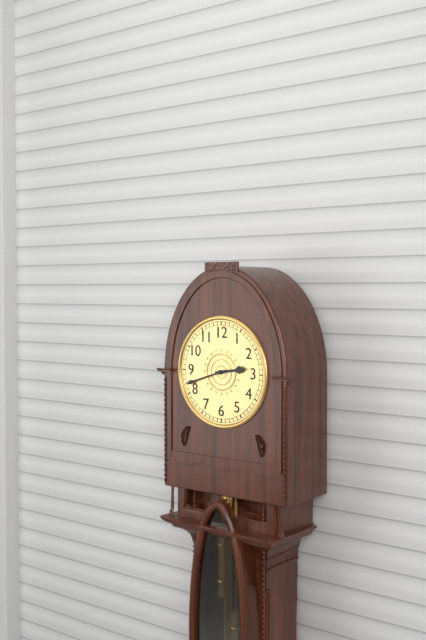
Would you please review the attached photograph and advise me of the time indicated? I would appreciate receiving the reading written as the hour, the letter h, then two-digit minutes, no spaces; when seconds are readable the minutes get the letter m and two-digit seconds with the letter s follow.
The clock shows 2h42
